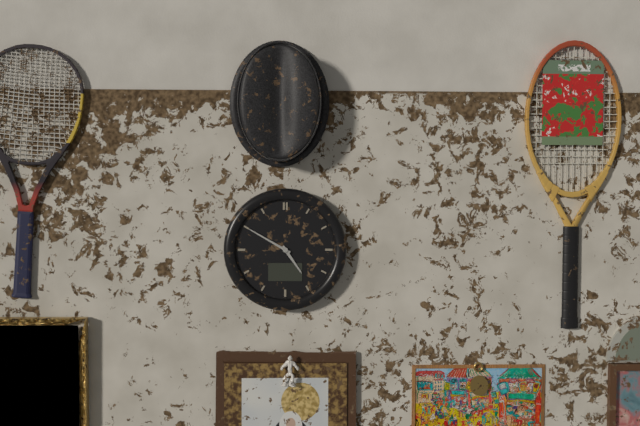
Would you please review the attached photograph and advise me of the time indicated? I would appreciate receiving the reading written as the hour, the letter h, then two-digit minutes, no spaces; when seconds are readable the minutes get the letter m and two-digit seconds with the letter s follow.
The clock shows 4h50
